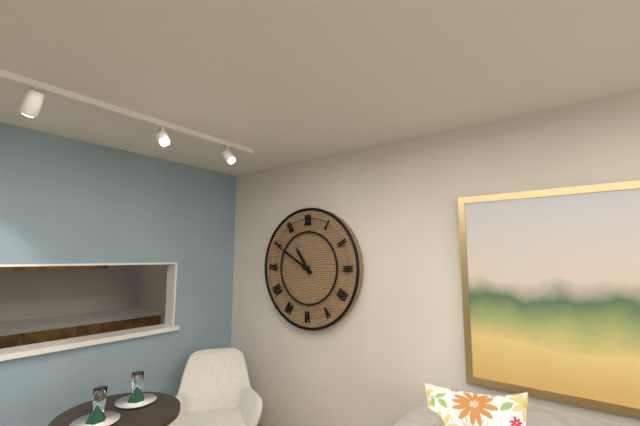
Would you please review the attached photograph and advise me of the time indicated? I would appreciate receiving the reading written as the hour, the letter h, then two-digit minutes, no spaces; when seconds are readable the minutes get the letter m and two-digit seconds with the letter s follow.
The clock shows 10h50
